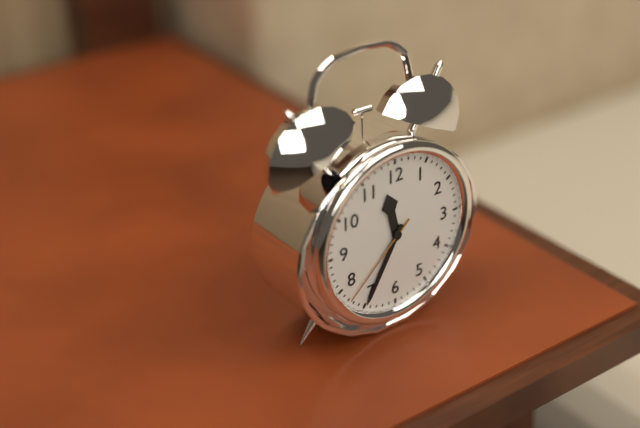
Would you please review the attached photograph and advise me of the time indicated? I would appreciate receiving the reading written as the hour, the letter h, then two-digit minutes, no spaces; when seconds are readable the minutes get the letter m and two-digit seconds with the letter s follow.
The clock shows 11h35m38s
